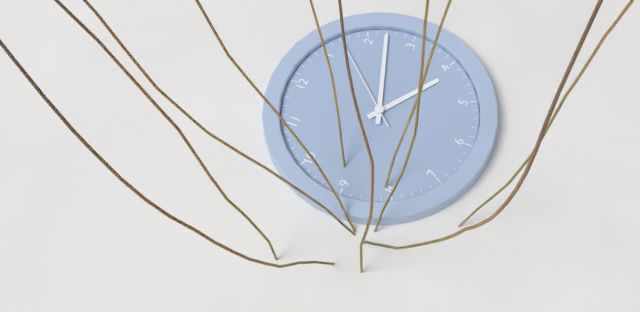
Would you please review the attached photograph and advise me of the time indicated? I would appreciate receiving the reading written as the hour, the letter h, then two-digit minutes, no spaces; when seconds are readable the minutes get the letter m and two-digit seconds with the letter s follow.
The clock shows 4h12m07s
